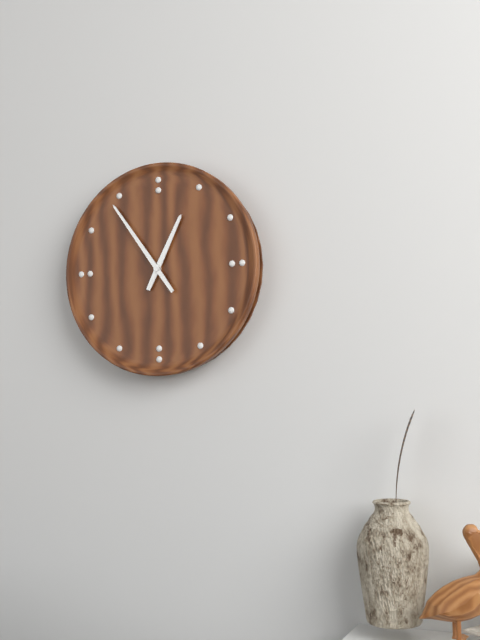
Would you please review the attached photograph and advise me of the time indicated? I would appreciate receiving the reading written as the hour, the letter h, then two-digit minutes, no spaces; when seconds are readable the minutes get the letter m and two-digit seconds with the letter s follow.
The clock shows 12h54
